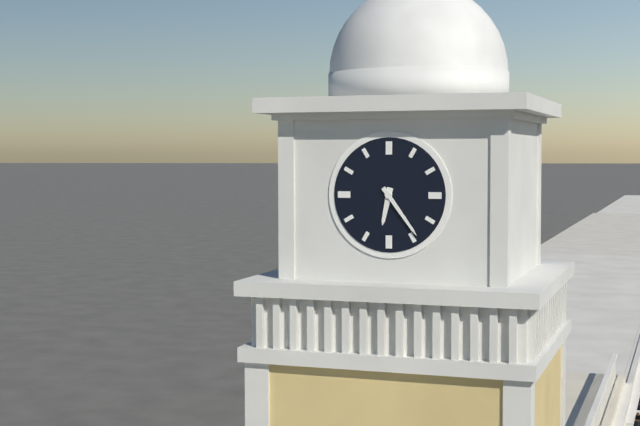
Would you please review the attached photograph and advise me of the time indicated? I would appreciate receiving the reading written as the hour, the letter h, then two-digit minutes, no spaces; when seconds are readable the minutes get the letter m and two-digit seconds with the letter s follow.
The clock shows 6h24
